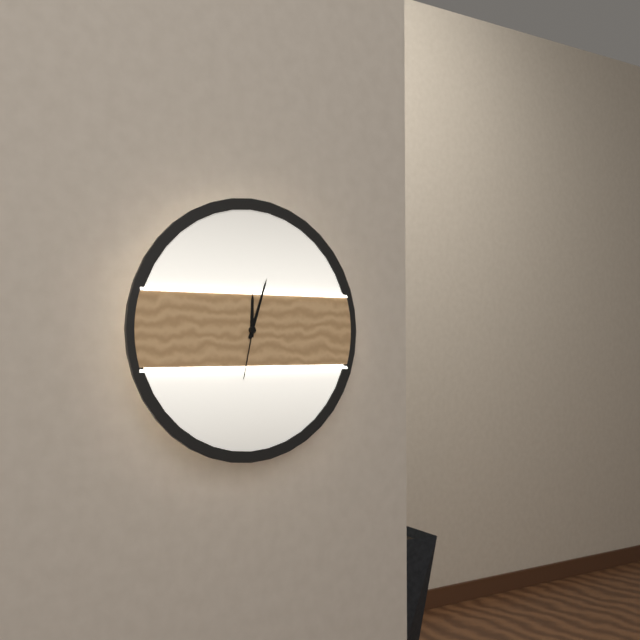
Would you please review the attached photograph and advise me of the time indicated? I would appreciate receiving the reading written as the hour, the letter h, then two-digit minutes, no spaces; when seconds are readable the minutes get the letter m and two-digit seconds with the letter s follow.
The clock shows 12h03m32s
